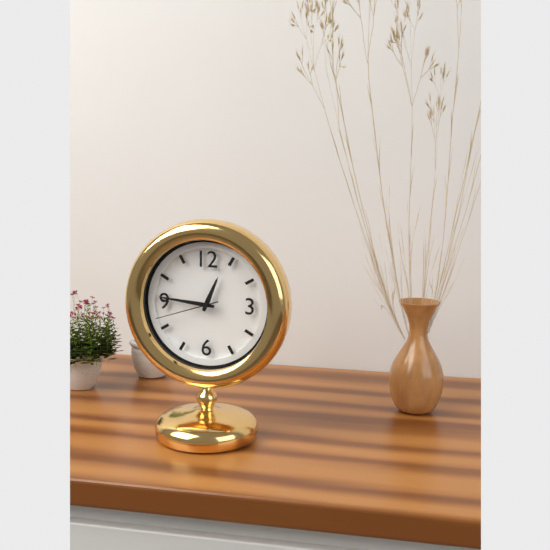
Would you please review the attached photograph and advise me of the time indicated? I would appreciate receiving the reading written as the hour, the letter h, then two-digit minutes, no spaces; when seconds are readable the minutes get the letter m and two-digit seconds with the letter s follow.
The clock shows 12h46m42s
